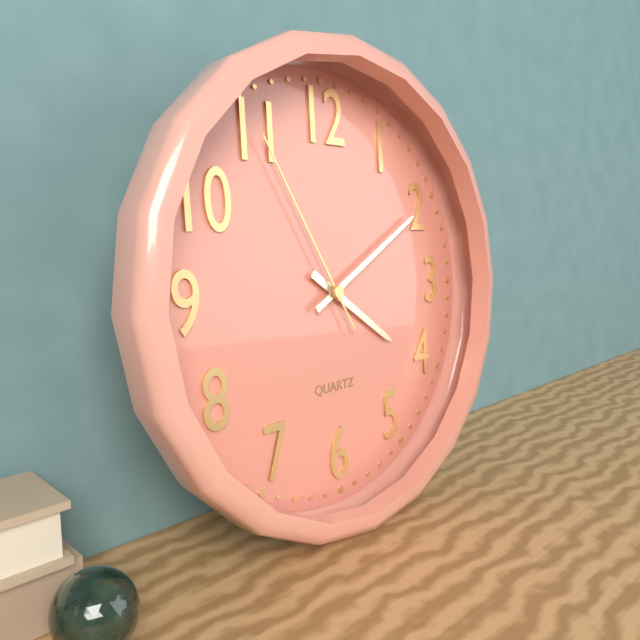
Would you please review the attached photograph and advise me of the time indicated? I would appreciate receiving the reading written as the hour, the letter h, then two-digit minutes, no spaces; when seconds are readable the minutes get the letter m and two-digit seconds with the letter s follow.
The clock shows 4h10m55s
